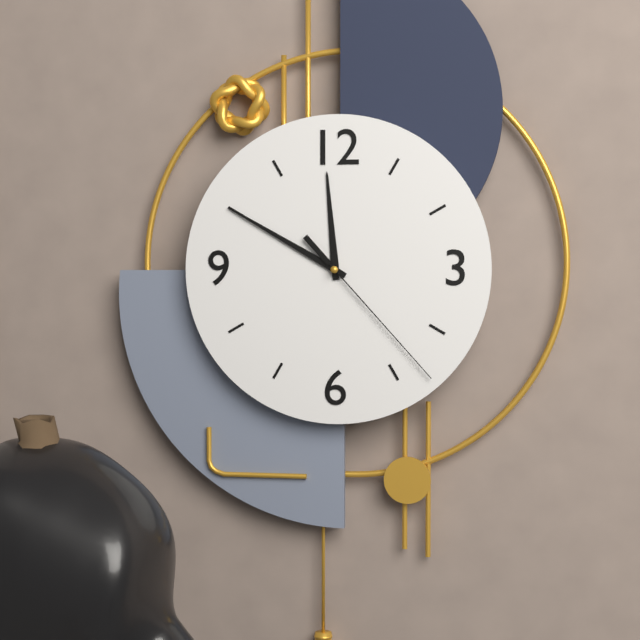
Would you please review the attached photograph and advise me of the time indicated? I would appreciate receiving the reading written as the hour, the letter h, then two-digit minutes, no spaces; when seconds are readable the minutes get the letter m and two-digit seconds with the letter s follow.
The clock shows 11h50m23s
